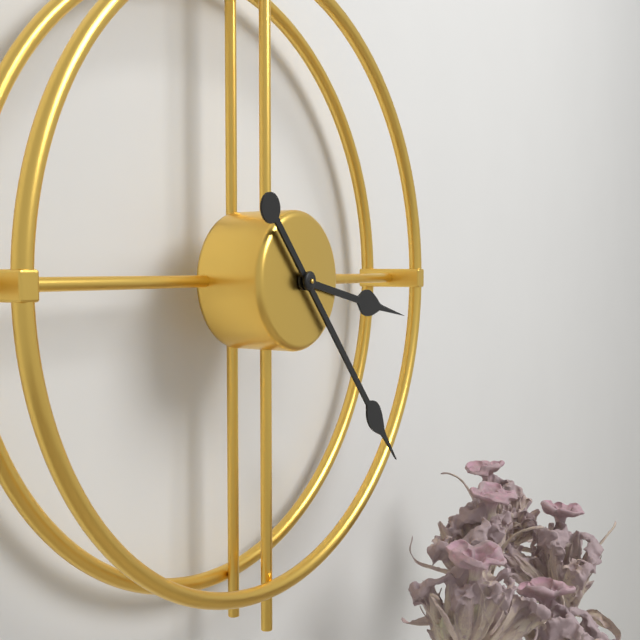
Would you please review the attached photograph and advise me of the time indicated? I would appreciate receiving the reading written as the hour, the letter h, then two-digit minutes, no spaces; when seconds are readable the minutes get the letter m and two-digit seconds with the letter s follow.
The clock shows 3h23
